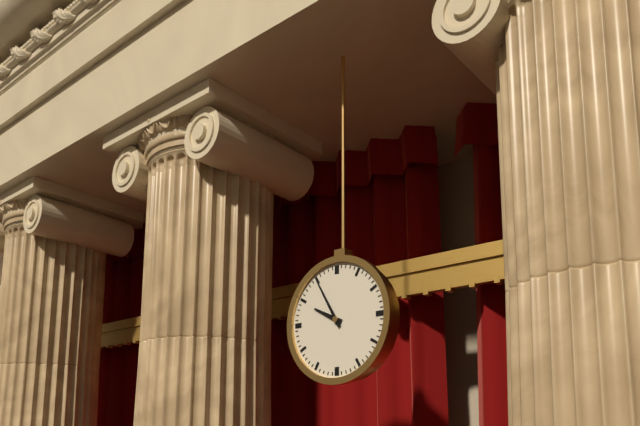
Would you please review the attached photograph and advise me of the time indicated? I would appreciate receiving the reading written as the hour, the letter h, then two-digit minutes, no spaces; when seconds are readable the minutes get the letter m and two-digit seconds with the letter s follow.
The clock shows 9h55
